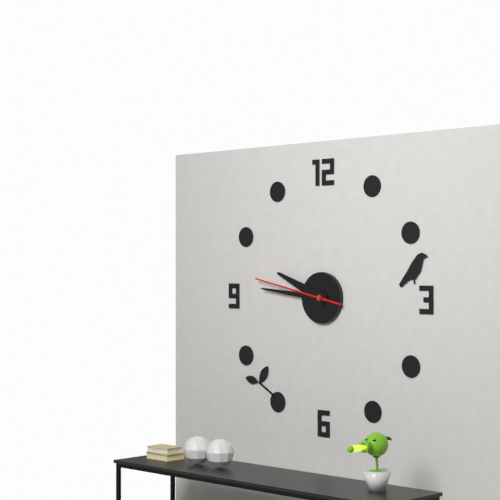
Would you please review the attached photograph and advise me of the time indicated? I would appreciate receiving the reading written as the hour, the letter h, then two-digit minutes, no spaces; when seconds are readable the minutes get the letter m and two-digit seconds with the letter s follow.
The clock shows 9h46m47s
